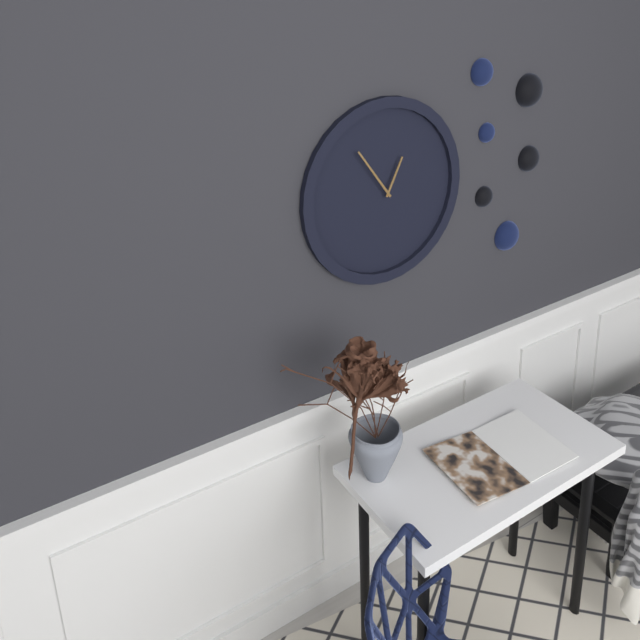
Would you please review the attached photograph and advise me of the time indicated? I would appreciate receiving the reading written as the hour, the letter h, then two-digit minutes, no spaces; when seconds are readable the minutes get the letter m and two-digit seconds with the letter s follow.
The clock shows 12h54
